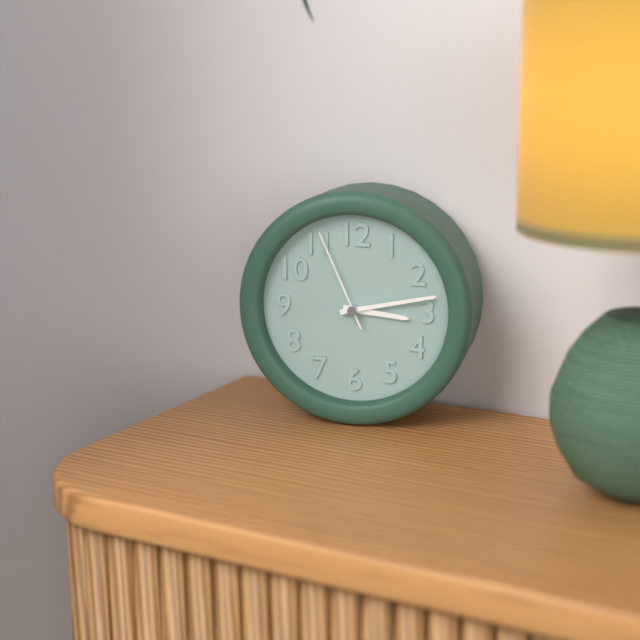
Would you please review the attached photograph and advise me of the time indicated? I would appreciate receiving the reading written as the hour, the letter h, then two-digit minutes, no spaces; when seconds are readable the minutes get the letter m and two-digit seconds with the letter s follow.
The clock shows 3h13m56s
